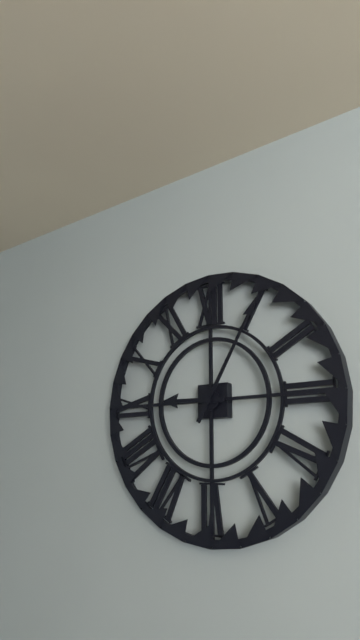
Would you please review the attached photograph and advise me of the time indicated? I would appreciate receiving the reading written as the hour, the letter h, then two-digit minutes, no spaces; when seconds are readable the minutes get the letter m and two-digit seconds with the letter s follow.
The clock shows 9h05
